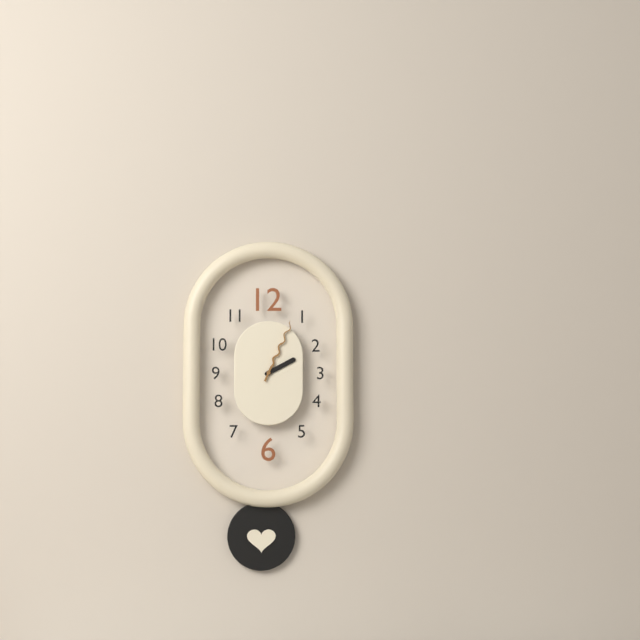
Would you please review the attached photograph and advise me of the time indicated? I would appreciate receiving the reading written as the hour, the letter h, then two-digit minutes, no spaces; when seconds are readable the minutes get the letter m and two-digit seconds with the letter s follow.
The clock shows 2h04
